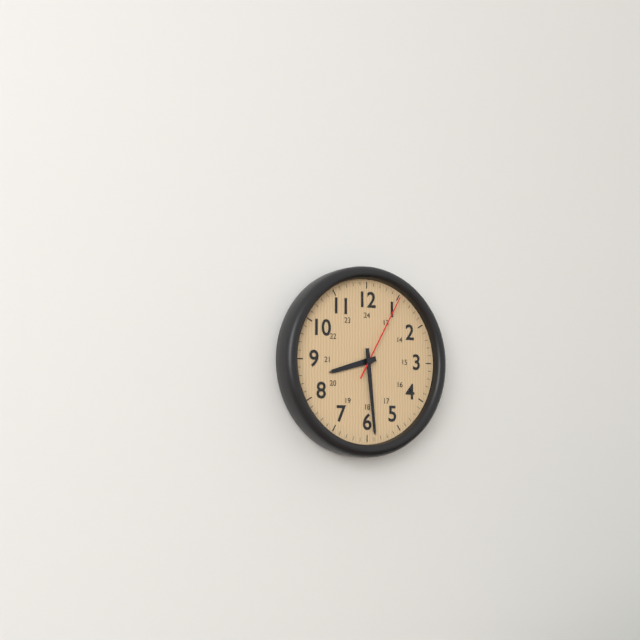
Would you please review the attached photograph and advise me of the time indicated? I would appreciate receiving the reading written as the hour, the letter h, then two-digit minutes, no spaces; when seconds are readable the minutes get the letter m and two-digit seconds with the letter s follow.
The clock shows 8h29m05s
